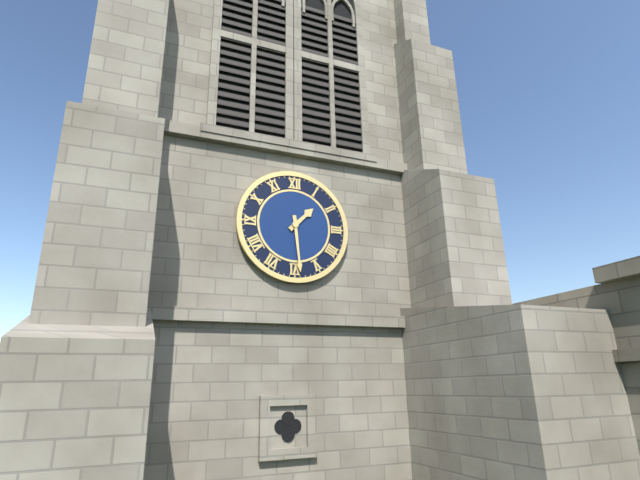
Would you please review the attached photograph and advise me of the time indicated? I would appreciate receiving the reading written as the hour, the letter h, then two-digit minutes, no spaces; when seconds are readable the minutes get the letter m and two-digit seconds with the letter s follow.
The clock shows 1h29
